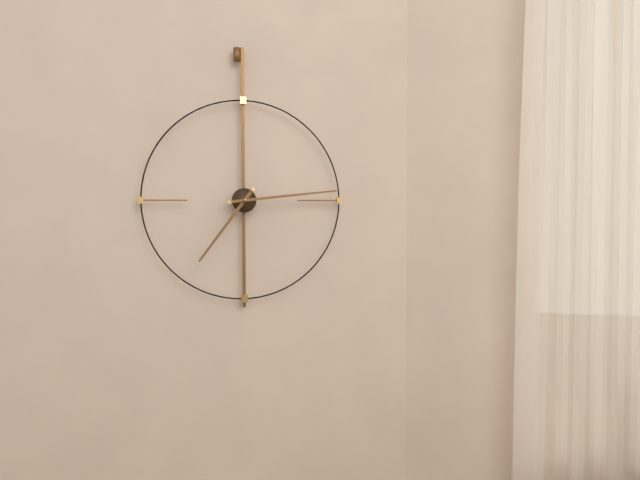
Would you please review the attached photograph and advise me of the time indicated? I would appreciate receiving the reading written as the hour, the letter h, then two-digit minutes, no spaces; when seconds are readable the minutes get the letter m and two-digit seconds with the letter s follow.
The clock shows 7h14
